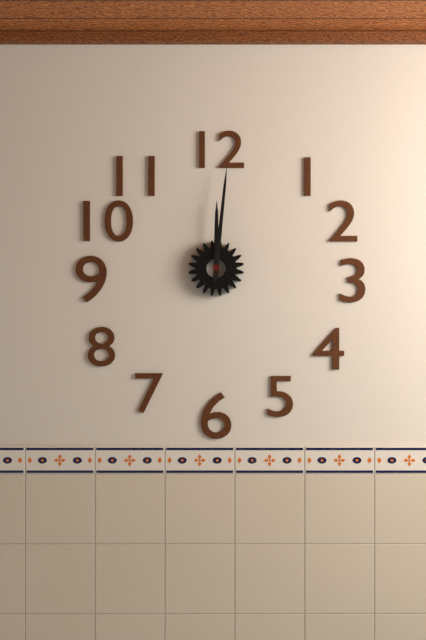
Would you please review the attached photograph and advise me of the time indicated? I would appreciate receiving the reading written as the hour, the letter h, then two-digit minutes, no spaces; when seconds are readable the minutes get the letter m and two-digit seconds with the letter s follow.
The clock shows 12h01
